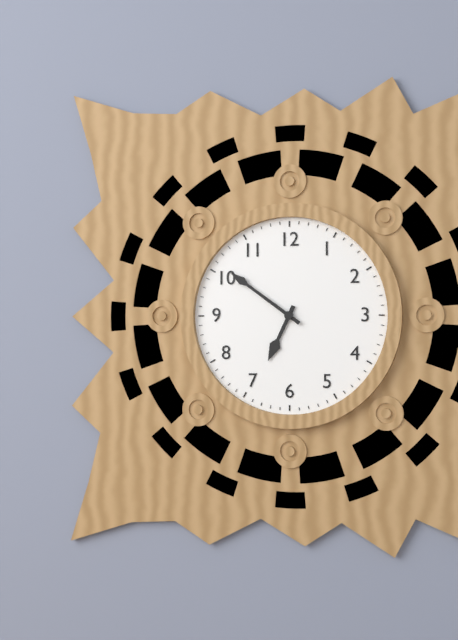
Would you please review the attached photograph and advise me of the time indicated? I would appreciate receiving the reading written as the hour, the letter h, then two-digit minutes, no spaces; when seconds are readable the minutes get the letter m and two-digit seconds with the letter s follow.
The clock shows 6h51
